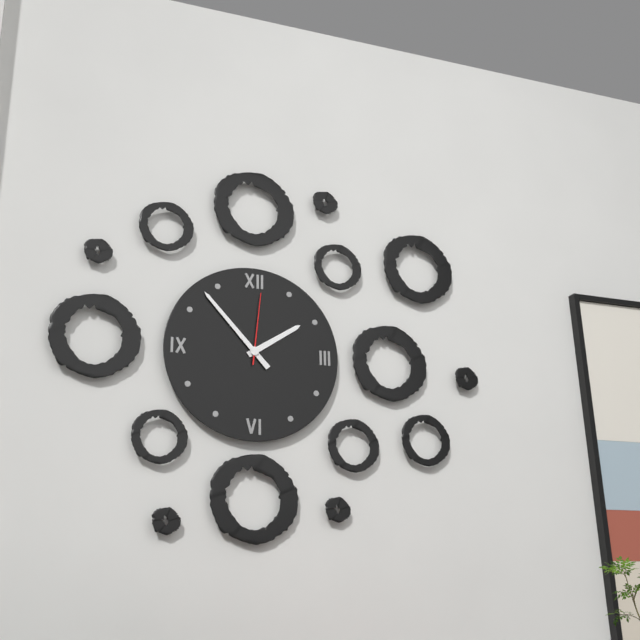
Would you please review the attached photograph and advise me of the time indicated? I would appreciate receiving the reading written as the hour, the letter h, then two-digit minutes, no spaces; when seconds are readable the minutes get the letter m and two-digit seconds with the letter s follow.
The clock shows 1h53m01s
